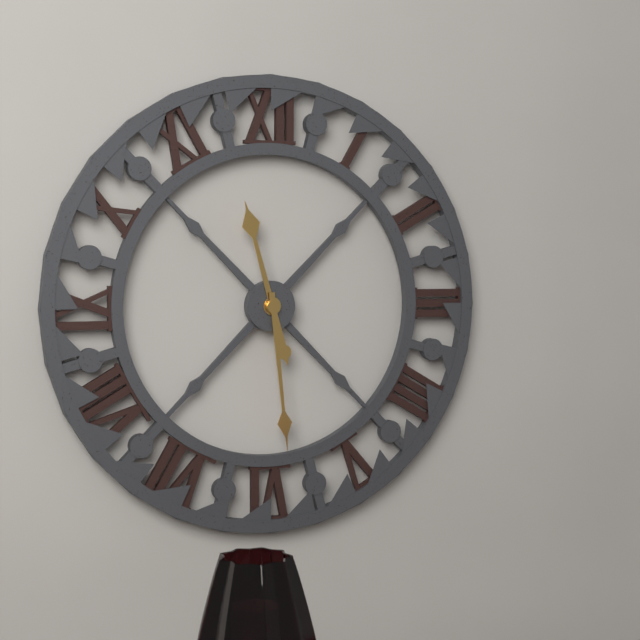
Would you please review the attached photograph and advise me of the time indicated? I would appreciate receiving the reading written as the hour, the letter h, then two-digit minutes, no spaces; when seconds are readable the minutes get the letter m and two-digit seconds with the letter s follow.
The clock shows 11h29
